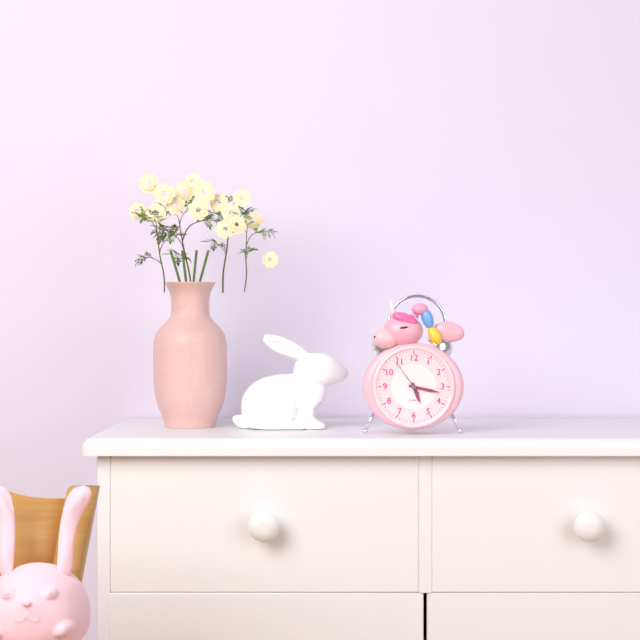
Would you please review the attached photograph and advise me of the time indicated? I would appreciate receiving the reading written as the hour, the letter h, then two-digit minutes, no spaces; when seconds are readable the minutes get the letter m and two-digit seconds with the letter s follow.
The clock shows 5h17
